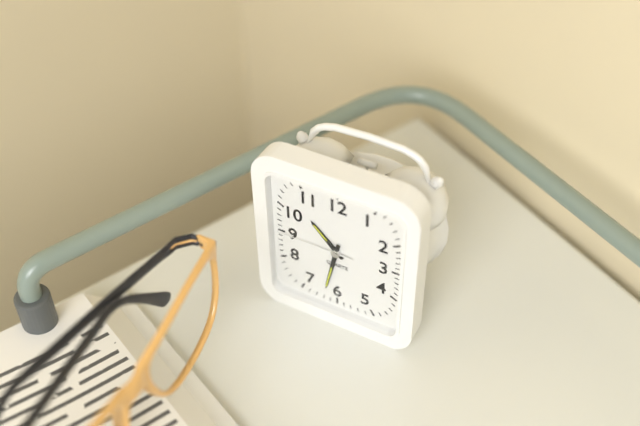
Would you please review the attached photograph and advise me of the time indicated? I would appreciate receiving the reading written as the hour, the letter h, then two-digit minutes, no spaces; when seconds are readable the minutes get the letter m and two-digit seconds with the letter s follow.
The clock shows 10h32m45s
